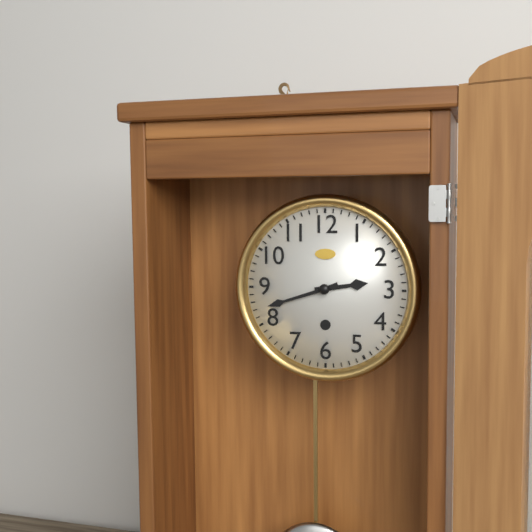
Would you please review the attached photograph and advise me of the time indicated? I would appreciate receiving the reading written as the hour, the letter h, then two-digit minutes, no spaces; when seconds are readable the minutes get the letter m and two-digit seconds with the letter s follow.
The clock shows 2h42
